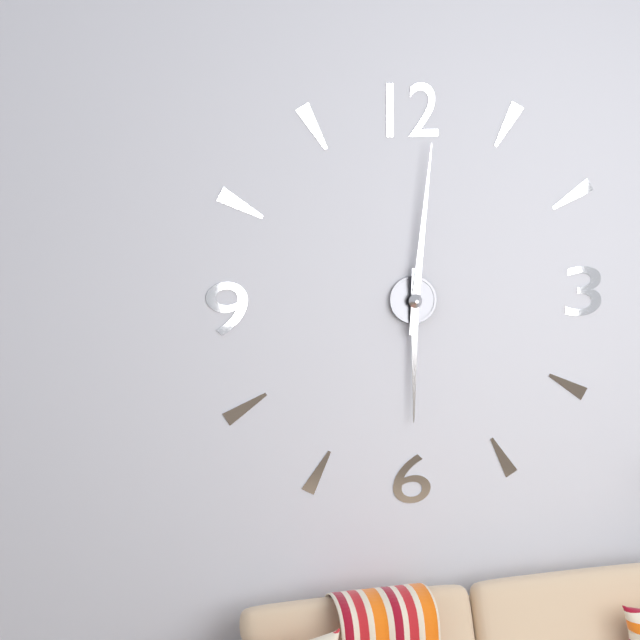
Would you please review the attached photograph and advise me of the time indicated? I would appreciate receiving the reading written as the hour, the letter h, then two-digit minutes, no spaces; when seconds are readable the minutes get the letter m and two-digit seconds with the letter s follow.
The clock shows 6h01
